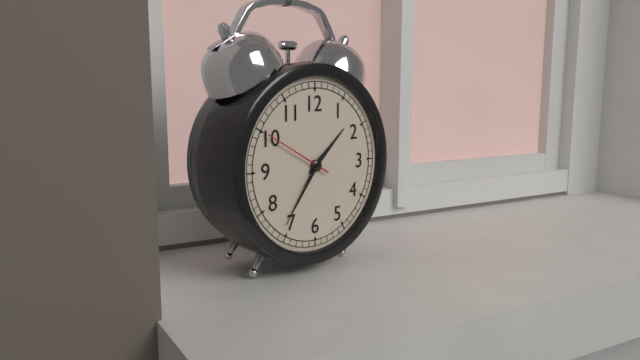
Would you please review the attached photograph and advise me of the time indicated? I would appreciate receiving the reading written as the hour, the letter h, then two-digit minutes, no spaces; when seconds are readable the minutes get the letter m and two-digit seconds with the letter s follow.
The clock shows 1h36m50s
